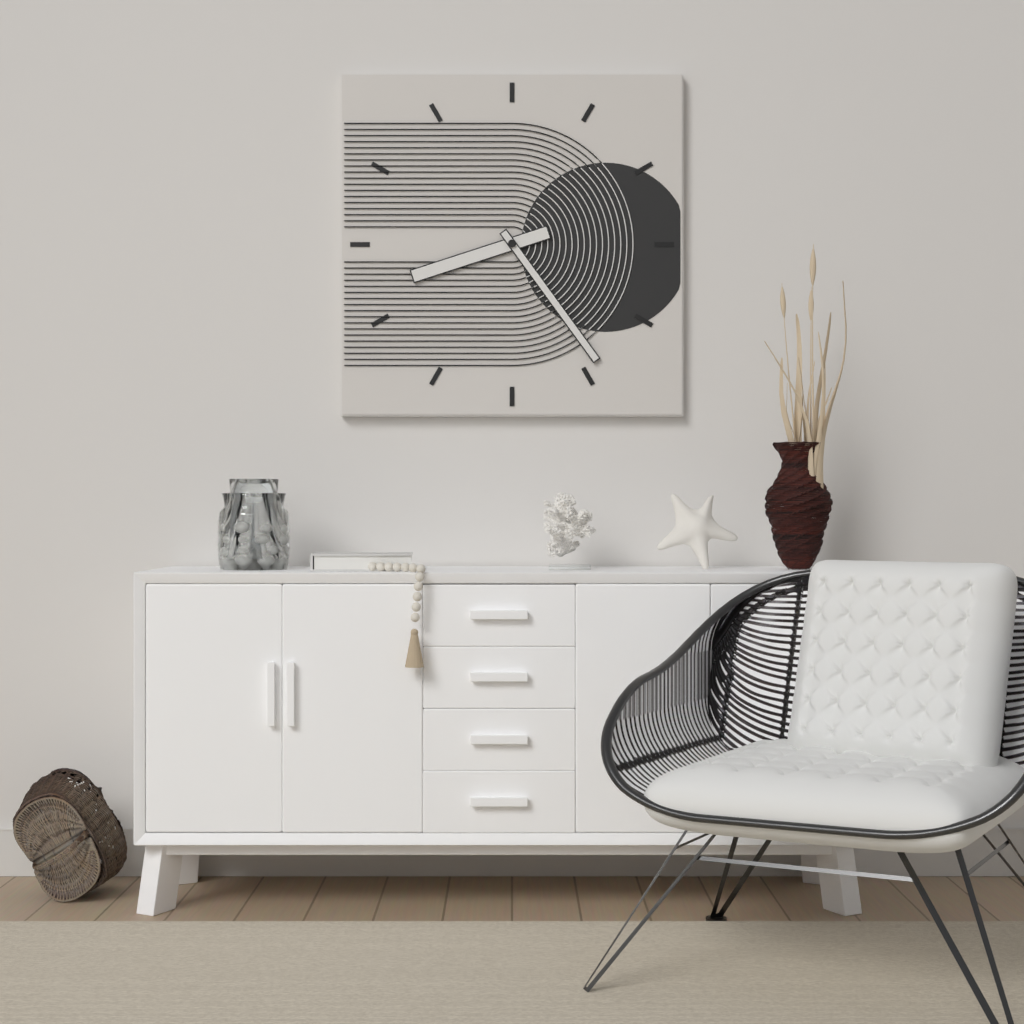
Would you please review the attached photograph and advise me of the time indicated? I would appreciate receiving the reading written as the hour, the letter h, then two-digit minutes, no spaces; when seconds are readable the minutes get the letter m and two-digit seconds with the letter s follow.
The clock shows 8h24
